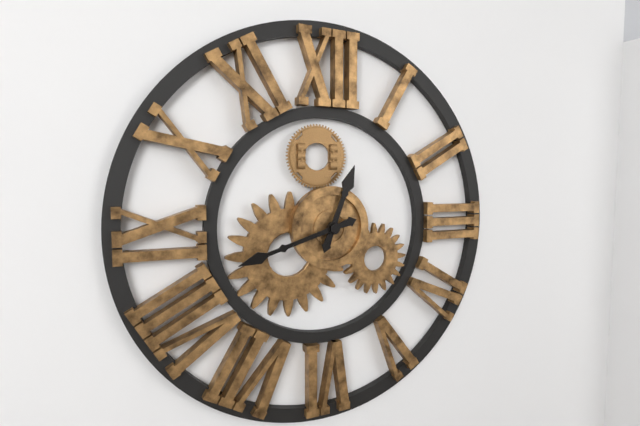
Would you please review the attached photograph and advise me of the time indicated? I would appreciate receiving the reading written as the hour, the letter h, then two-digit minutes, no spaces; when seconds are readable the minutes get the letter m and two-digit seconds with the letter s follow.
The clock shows 12h42
